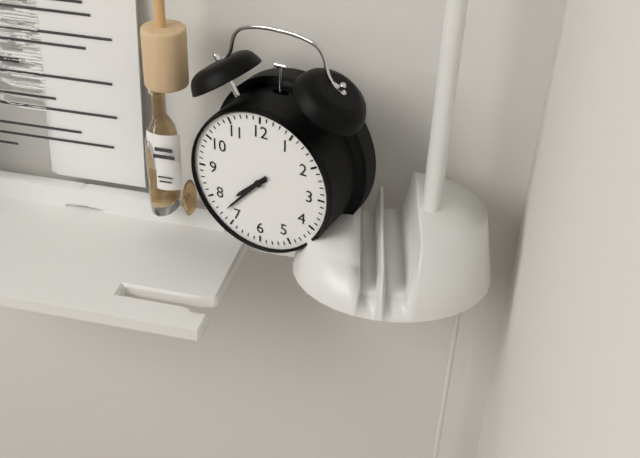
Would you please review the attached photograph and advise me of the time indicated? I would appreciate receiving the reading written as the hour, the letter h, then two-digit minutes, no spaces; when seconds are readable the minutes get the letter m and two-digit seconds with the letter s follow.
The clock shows 7h37
